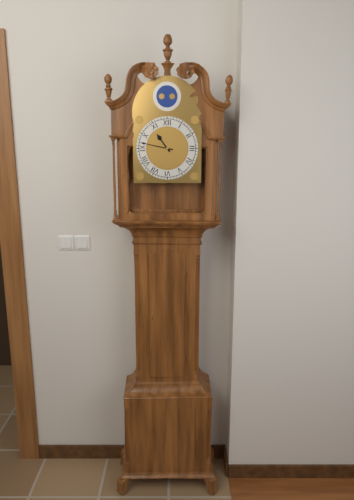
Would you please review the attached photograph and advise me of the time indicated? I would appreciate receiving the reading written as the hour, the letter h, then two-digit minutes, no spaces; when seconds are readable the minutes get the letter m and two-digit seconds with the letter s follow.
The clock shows 10h47
